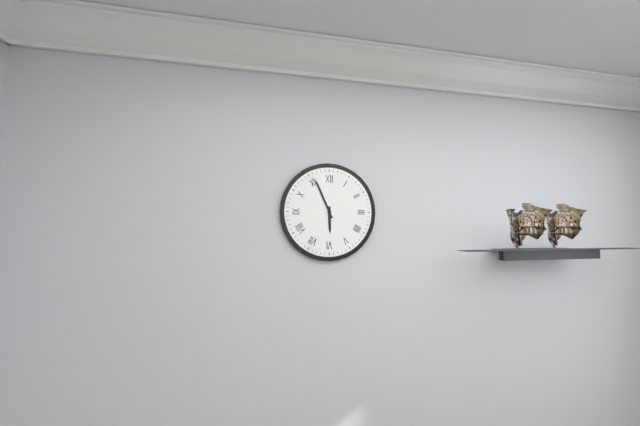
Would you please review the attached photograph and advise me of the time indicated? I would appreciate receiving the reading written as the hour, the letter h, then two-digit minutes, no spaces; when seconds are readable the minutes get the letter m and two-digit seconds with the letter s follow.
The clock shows 5h56
